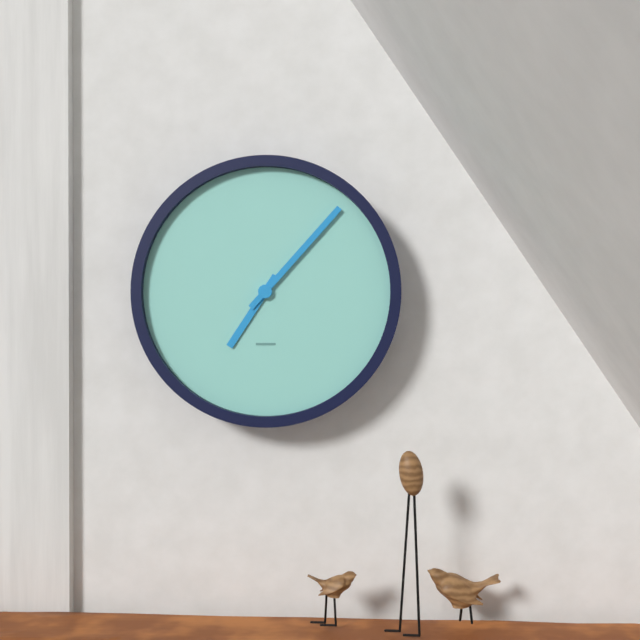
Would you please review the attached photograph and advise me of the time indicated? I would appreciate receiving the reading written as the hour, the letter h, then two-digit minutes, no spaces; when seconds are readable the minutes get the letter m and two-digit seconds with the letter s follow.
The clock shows 7h07
